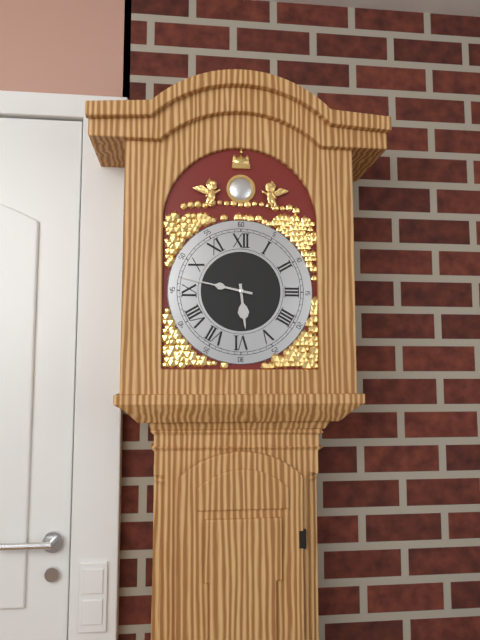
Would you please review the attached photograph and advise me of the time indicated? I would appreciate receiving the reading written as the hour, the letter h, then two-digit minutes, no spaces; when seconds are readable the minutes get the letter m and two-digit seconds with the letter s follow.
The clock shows 5h47
